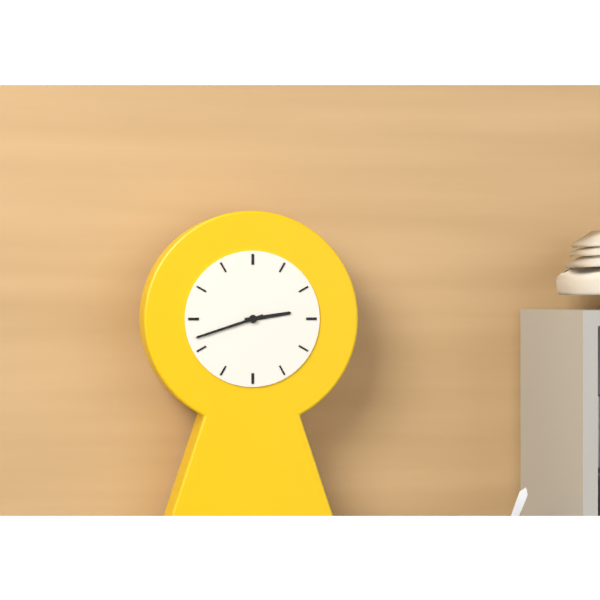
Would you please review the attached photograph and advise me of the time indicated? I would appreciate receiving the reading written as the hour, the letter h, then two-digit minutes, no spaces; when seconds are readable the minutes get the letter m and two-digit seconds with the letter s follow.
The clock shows 2h42
